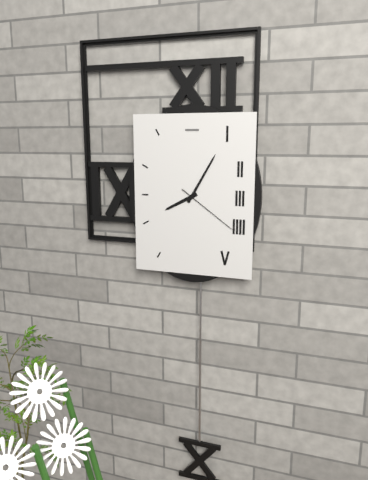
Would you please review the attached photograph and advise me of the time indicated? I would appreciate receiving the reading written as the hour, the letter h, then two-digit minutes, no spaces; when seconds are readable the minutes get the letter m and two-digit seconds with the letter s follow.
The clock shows 8h05m21s
